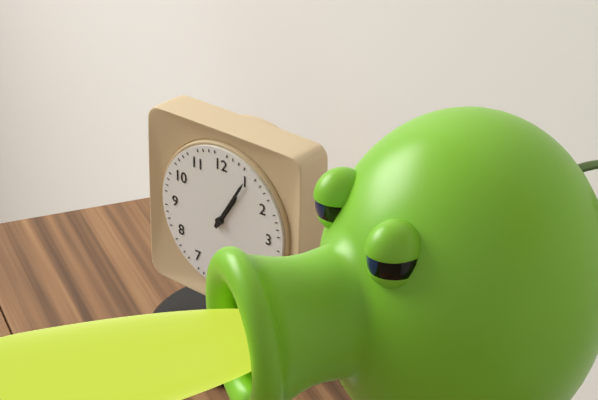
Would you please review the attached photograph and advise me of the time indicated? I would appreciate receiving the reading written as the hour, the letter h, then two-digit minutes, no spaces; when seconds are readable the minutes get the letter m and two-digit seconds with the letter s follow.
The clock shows 1h05
